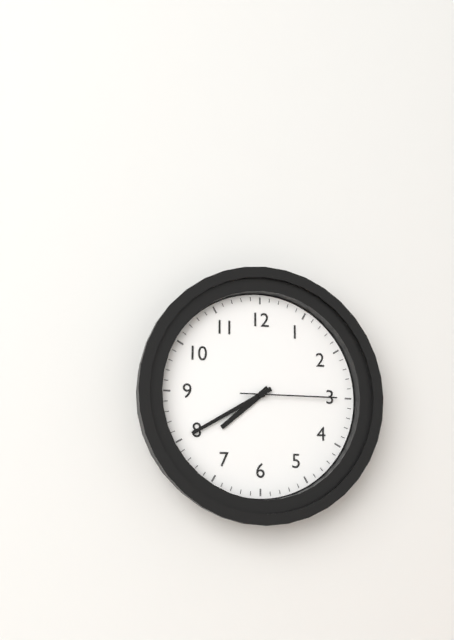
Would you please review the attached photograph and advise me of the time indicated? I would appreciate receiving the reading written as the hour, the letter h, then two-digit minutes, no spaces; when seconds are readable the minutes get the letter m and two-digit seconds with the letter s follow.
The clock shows 7h40m15s
